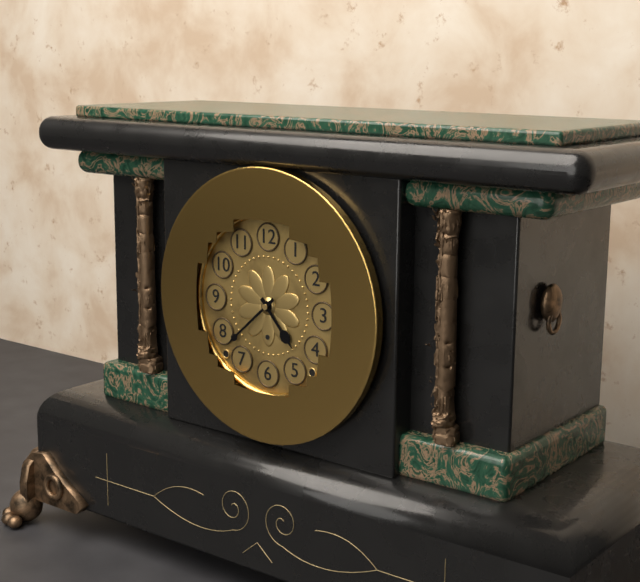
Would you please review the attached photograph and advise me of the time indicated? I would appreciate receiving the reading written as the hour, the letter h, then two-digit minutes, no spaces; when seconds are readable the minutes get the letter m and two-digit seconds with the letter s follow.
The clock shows 4h38
